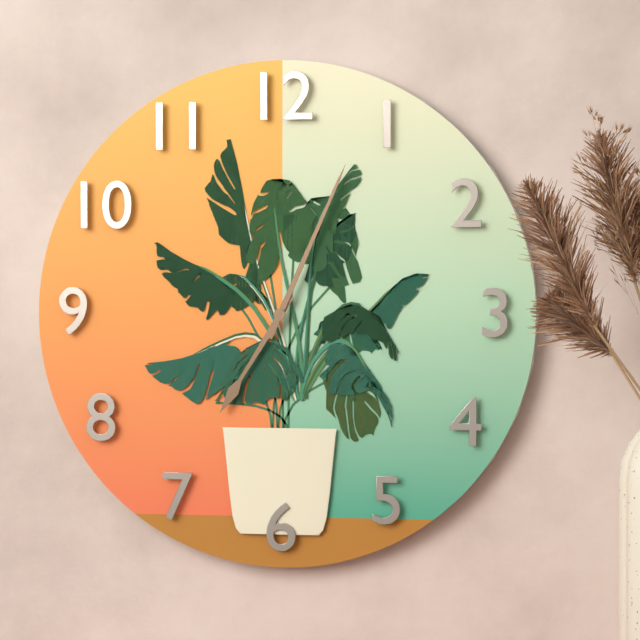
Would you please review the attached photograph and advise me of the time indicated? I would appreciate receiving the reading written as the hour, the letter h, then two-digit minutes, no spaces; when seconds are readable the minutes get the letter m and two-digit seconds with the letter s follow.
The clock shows 7h04
